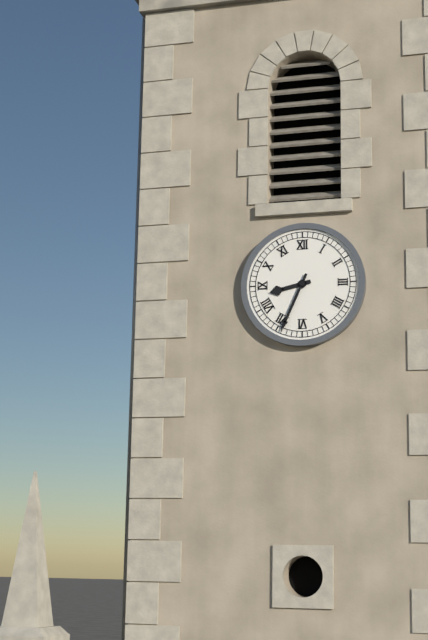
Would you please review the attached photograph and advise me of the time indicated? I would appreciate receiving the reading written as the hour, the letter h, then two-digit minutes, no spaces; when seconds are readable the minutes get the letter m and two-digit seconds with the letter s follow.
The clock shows 8h34
